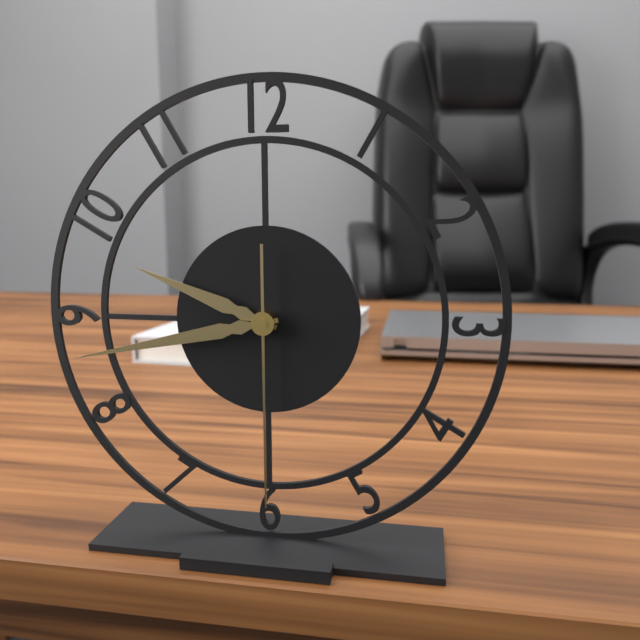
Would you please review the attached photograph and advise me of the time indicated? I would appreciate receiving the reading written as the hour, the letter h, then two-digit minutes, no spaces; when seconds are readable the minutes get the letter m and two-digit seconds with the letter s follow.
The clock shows 9h43m30s
